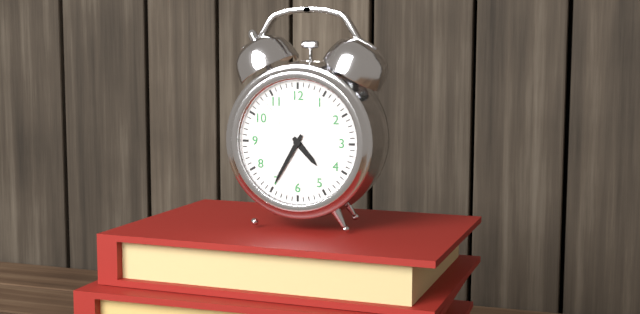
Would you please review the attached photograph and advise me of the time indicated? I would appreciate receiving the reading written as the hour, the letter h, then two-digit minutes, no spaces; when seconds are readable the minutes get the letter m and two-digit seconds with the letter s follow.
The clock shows 4h35
